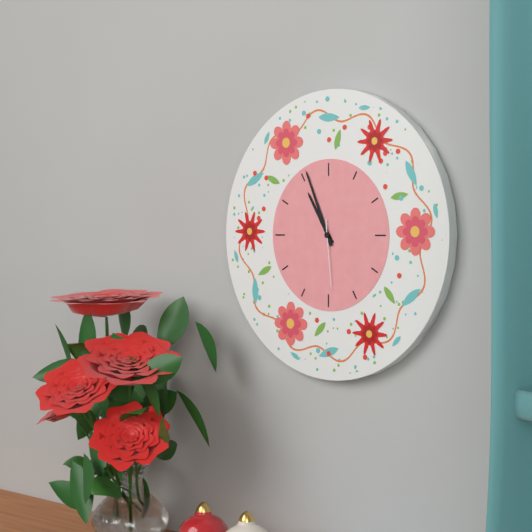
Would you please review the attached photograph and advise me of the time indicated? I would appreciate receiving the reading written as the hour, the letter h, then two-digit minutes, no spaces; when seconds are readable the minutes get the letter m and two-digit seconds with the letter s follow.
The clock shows 10h56m29s
